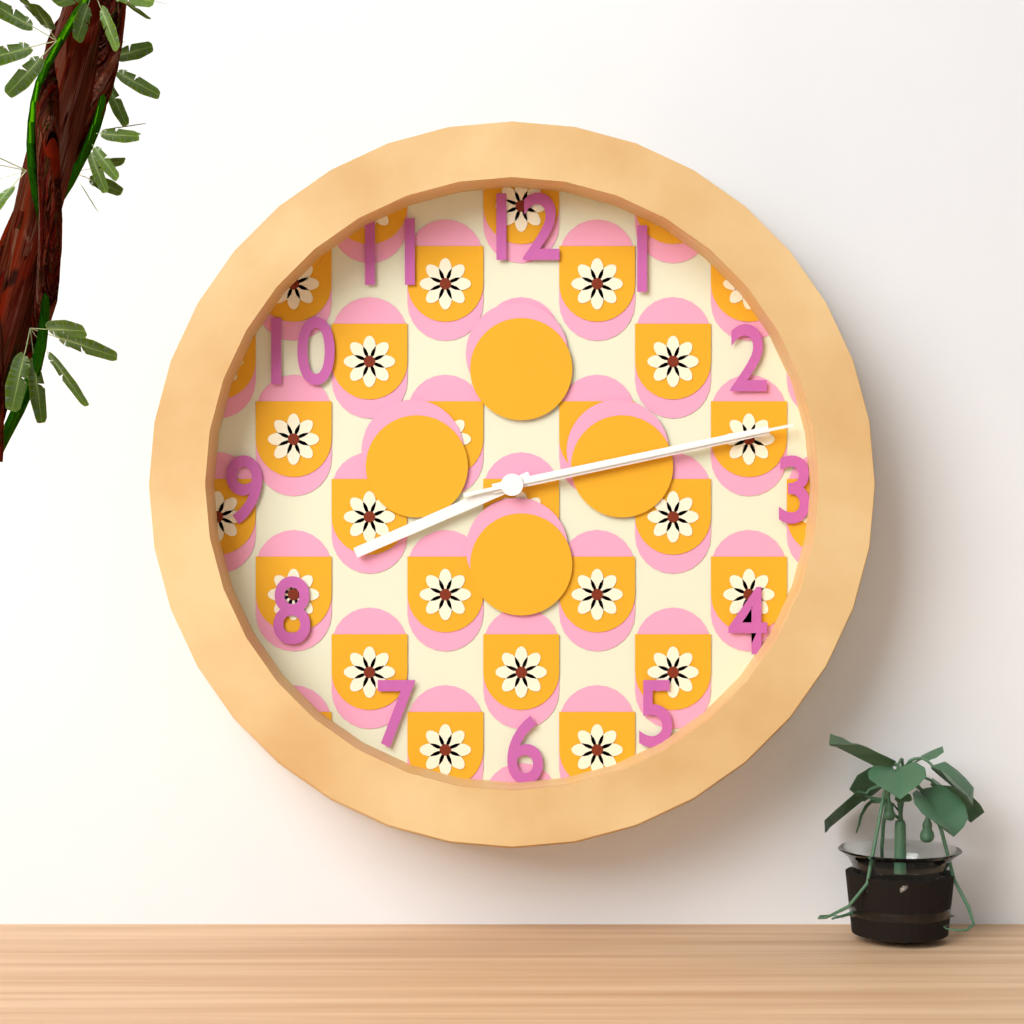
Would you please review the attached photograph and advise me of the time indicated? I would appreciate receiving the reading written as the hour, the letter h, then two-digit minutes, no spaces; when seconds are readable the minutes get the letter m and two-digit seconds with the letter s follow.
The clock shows 8h13m13s
